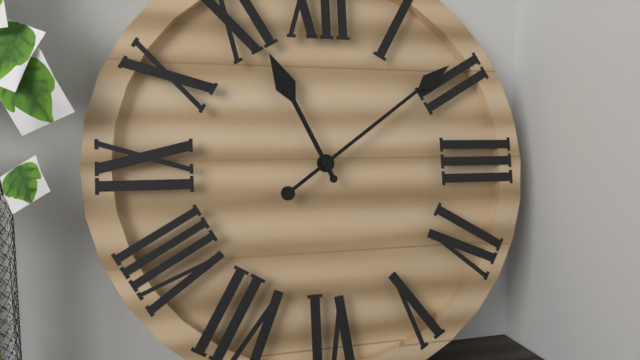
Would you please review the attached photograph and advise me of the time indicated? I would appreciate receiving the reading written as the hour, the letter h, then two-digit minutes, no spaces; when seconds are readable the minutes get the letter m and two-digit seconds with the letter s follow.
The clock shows 11h09
